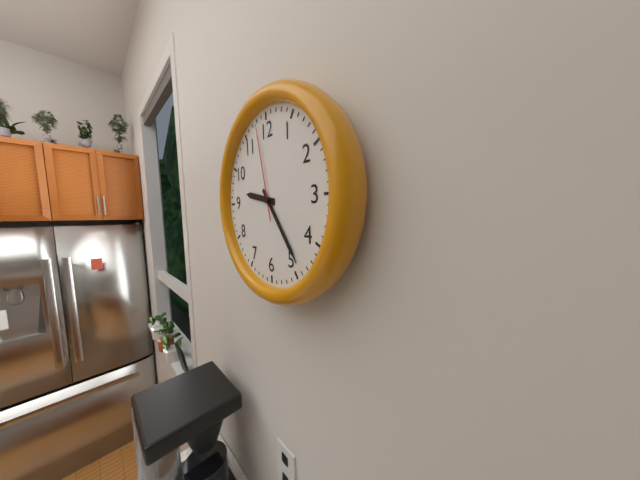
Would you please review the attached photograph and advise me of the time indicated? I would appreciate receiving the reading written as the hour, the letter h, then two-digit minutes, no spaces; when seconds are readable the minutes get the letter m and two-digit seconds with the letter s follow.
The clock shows 9h24m58s
